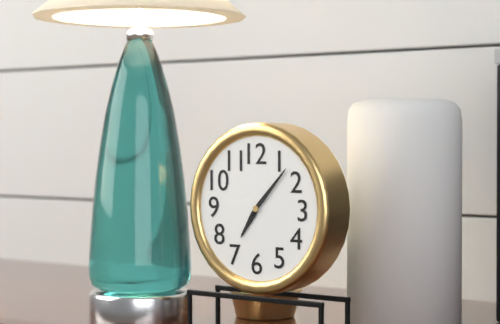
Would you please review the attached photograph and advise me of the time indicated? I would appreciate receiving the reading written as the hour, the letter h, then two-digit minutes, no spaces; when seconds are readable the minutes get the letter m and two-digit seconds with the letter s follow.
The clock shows 7h07
